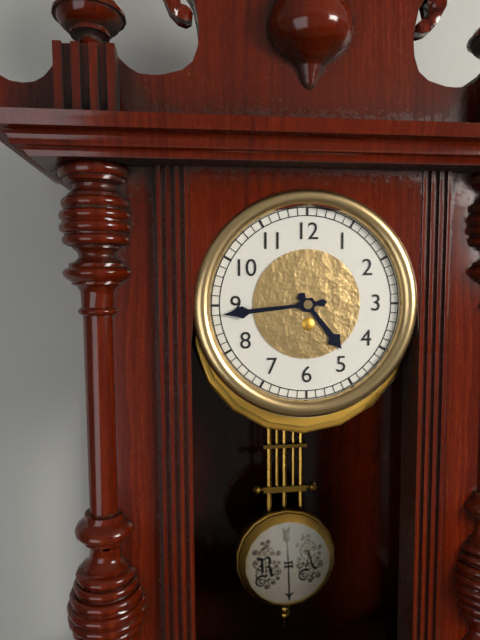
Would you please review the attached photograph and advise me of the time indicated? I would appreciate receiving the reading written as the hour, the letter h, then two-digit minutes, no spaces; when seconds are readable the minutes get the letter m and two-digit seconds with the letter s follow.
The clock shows 4h44
